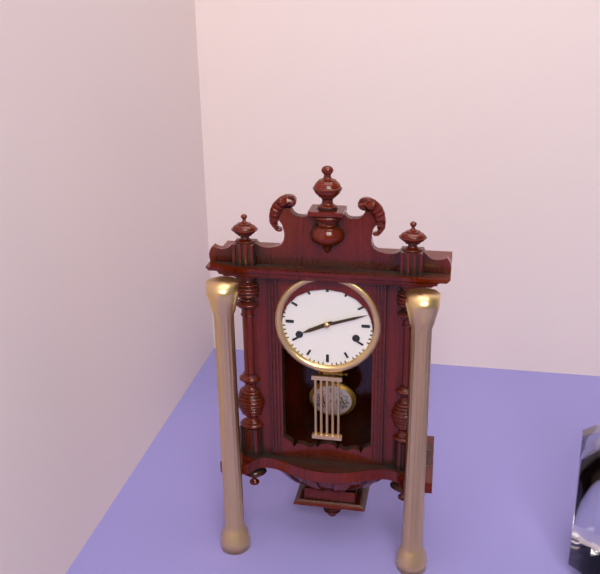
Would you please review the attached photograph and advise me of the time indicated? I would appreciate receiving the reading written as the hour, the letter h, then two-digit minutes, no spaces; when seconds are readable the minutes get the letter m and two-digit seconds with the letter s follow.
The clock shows 8h12
